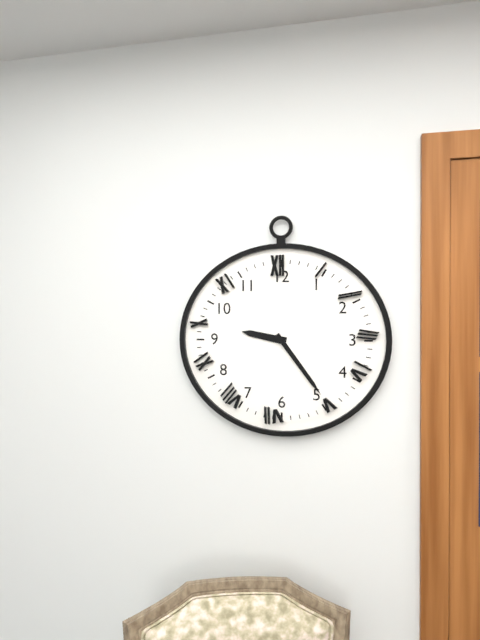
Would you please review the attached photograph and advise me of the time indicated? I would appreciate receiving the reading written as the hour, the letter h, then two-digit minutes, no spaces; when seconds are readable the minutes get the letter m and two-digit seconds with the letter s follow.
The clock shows 9h24
